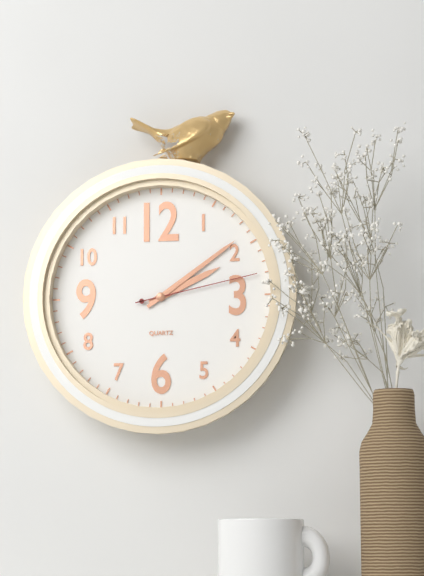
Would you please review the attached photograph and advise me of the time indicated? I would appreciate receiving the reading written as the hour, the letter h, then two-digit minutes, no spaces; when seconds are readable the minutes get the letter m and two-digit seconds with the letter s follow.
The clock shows 2h09m13s
